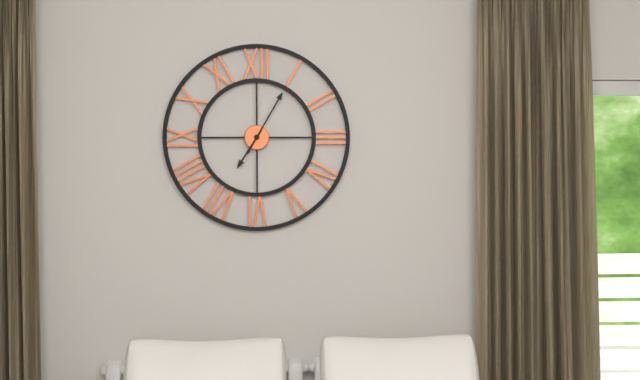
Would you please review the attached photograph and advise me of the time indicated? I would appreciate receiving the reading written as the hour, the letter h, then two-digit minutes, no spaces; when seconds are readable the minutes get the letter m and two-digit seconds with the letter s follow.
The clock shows 7h05
